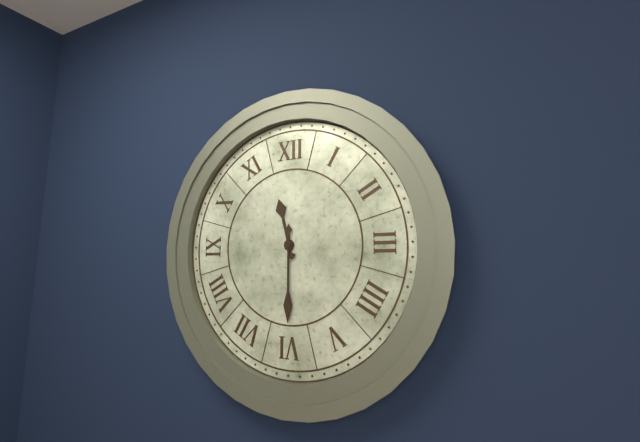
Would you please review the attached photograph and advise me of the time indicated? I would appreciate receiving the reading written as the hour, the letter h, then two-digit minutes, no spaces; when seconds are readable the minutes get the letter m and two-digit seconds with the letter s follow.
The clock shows 11h30
